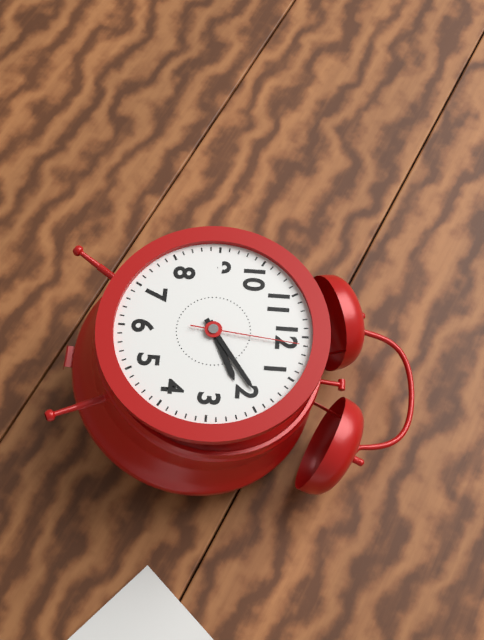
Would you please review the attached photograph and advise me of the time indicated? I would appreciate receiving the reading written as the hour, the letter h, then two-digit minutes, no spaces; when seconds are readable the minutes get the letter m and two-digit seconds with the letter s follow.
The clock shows 2h09m01s
